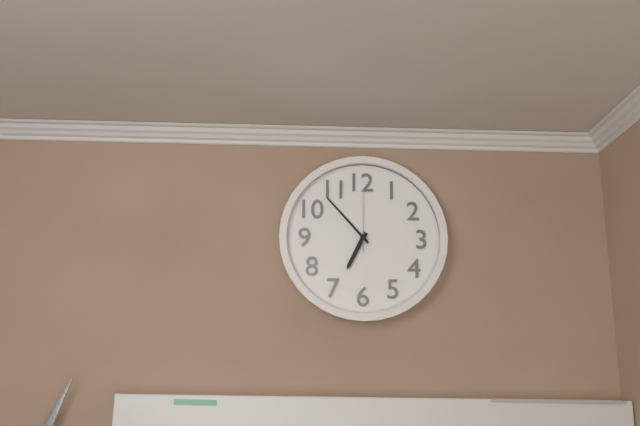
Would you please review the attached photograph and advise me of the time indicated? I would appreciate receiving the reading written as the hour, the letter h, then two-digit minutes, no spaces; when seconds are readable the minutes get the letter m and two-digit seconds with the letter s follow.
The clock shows 6h53m00s
